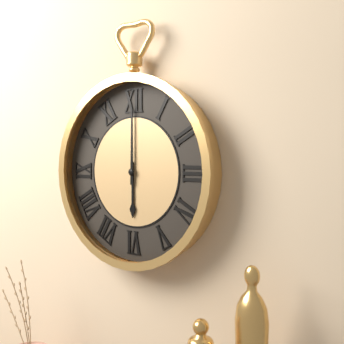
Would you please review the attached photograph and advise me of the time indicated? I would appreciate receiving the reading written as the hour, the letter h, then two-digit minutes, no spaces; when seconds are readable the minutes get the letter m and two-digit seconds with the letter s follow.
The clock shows 6h00
